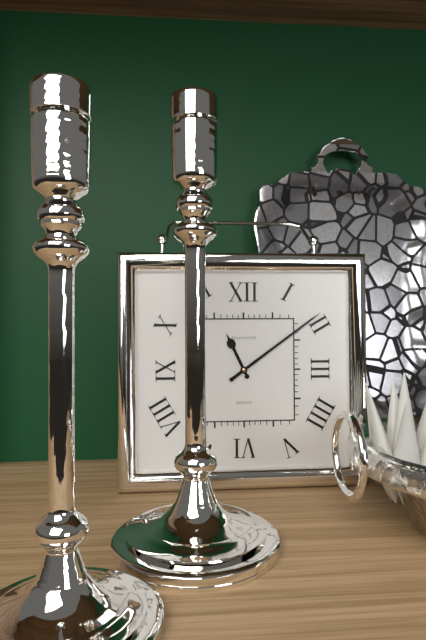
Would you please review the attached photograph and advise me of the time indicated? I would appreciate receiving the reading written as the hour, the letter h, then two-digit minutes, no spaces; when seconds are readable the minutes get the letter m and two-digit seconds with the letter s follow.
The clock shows 11h09
